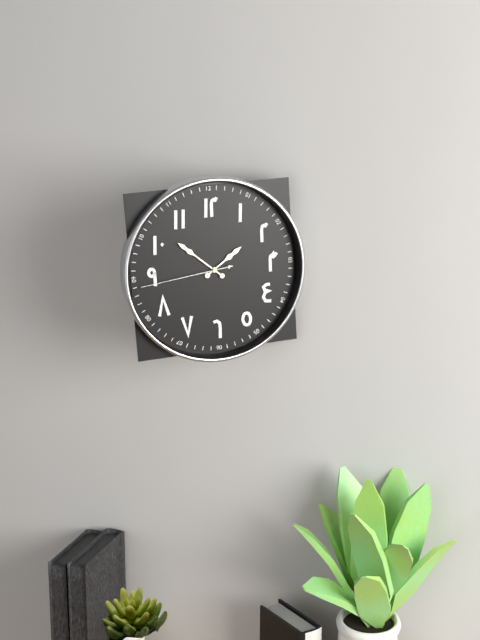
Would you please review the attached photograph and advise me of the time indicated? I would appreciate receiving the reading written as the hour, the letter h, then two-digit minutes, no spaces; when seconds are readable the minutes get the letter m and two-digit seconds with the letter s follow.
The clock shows 1h52m44s
